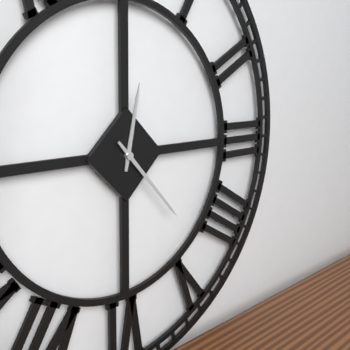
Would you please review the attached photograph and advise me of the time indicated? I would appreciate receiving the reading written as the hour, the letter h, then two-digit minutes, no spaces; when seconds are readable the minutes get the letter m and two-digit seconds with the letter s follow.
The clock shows 12h23
